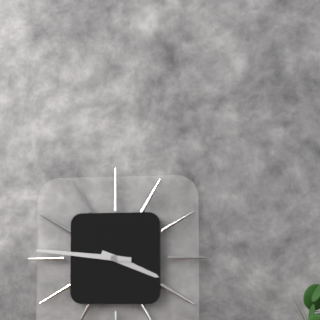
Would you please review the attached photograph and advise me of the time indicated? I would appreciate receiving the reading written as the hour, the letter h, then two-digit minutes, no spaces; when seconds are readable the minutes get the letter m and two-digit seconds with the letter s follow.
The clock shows 3h46
